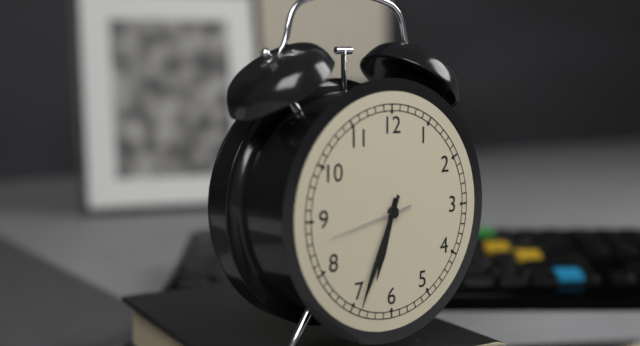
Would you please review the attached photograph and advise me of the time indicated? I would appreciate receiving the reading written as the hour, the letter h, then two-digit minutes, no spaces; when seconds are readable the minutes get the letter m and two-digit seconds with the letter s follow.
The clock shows 6h34
